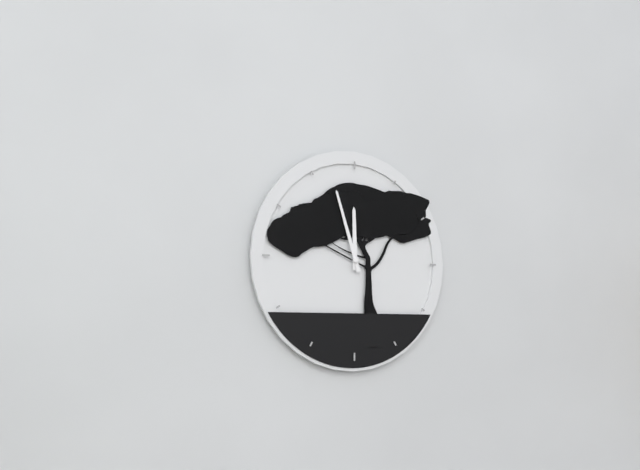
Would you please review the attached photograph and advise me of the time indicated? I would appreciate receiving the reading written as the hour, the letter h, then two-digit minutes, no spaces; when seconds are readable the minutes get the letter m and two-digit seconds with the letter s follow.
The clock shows 11h57
